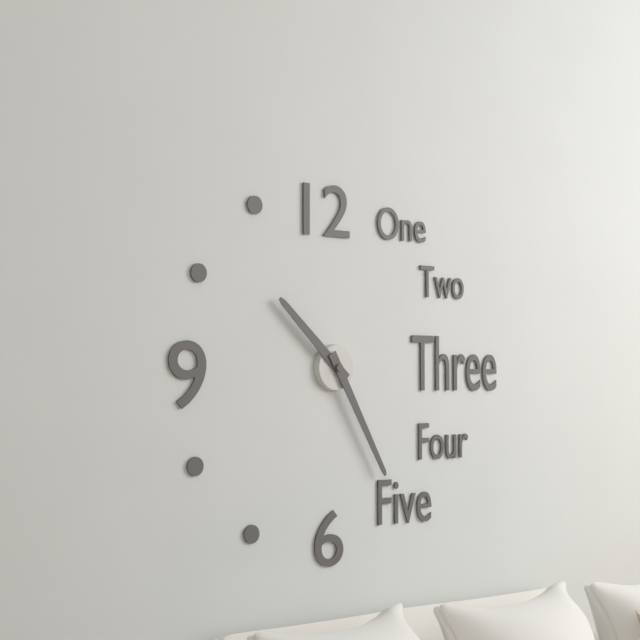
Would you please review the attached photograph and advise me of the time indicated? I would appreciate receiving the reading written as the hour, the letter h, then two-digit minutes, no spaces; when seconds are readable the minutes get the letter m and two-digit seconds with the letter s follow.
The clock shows 10h25
